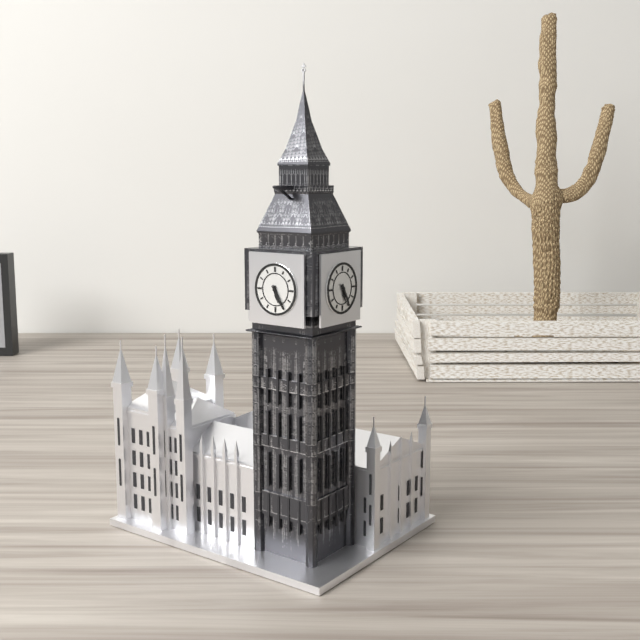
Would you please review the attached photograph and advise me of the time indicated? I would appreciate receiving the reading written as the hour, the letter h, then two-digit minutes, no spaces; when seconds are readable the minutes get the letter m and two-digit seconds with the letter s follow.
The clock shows 5h25
